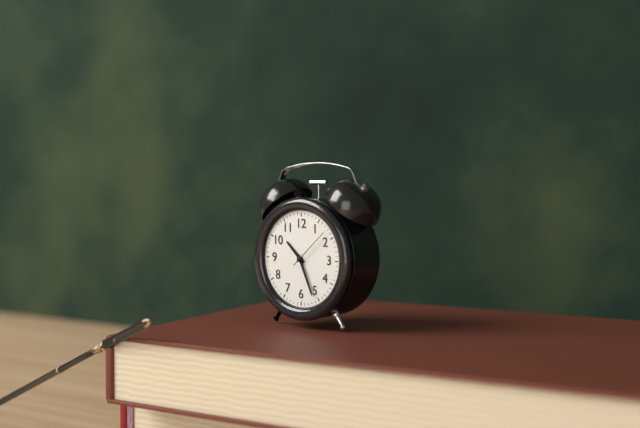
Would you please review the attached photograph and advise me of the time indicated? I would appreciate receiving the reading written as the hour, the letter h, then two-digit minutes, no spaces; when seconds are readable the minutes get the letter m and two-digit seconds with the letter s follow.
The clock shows 10h26
